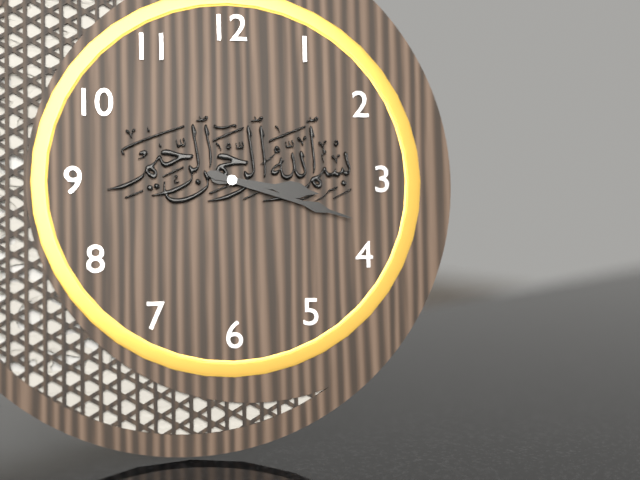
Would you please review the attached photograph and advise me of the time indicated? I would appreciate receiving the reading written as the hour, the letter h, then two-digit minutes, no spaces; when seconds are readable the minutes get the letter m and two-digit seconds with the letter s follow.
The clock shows 3h18
